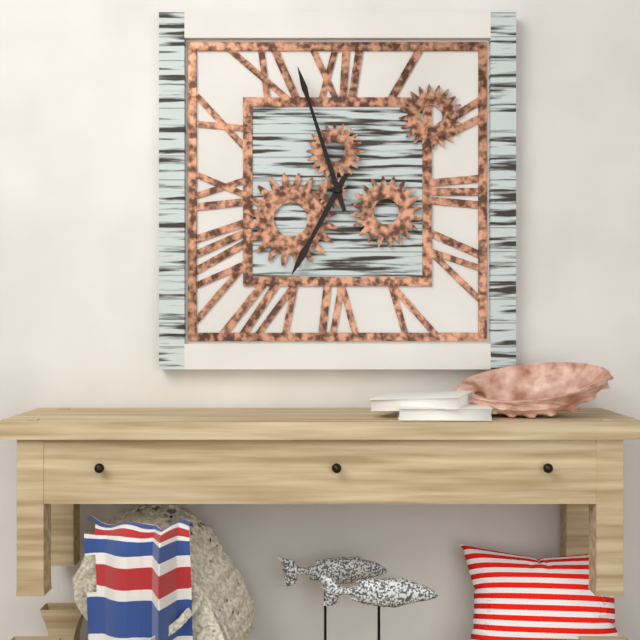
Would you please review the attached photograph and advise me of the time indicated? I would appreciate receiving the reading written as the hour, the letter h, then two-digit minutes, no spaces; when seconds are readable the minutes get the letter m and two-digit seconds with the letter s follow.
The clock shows 6h57
